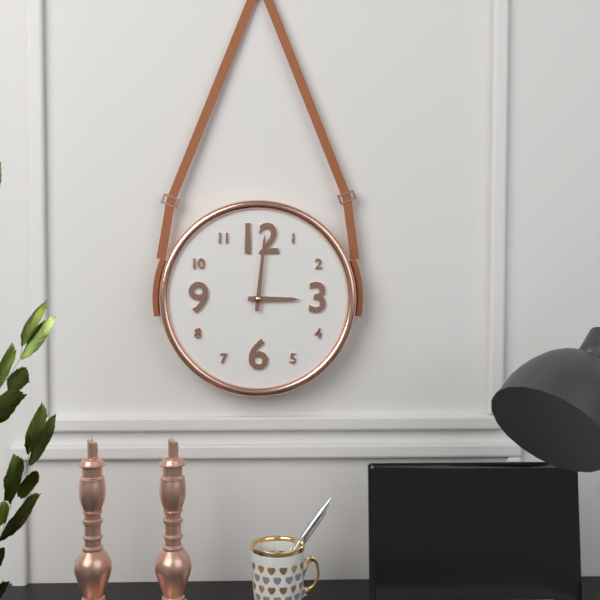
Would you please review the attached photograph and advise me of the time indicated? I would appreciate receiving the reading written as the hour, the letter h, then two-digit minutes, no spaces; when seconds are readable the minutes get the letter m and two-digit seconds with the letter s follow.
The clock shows 3h01
